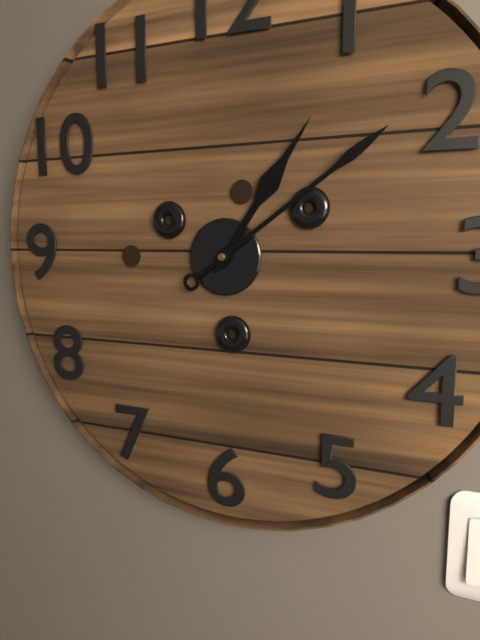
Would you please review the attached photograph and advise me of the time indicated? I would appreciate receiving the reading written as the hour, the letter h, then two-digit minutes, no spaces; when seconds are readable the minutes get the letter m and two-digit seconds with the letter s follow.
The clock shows 1h09
